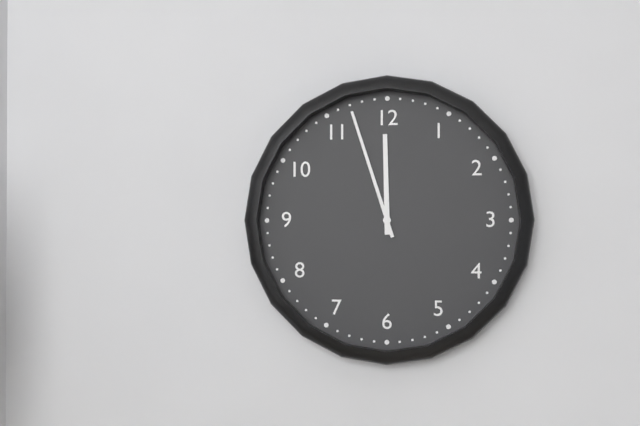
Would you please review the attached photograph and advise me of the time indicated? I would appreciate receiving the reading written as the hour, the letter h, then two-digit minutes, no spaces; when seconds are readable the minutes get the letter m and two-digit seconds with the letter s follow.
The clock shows 11h57
